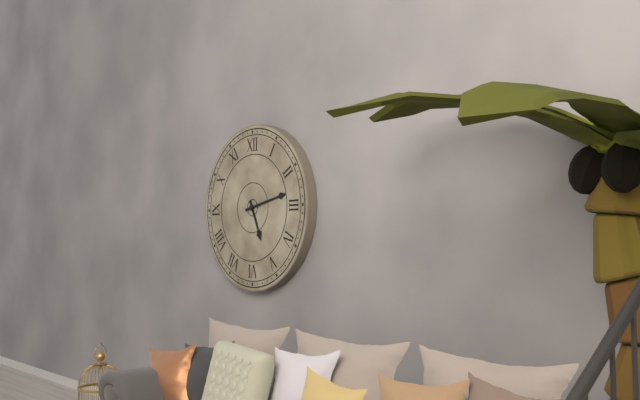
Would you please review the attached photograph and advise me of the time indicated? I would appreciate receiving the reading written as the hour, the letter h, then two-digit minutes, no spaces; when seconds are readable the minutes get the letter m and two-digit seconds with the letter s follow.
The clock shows 5h13
